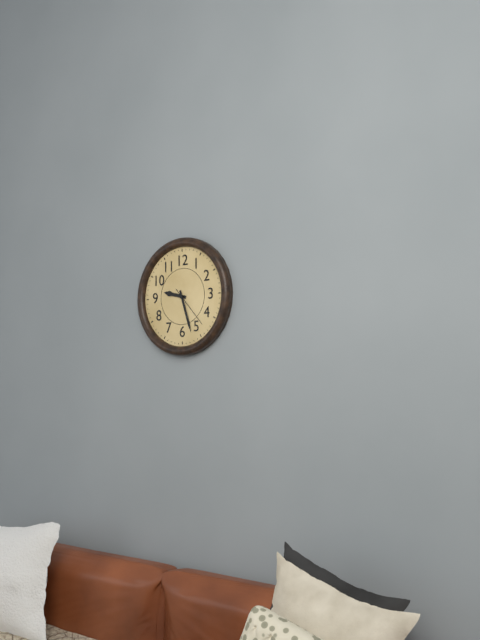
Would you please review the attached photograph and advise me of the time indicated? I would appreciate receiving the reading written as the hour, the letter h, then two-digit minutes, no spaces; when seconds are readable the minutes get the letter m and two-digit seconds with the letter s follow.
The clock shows 9h27
